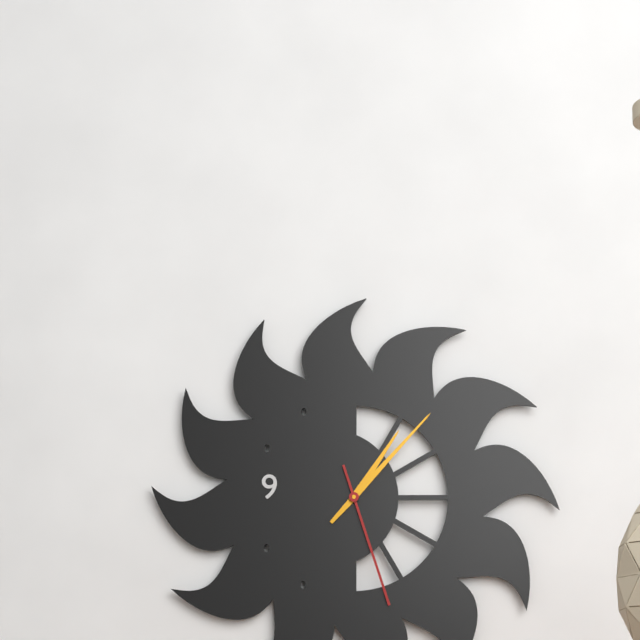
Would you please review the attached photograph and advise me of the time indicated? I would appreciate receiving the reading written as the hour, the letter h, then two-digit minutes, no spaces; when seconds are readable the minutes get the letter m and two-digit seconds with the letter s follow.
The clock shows 1h07m27s
